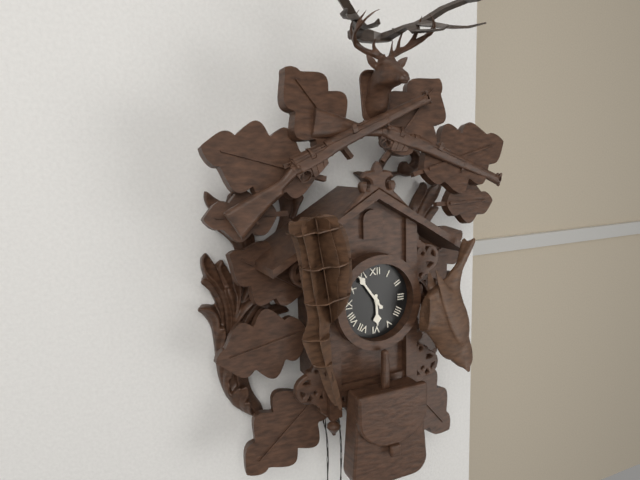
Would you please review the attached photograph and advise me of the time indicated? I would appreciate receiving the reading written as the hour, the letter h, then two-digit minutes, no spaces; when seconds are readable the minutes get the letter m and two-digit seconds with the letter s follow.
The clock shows 5h54
